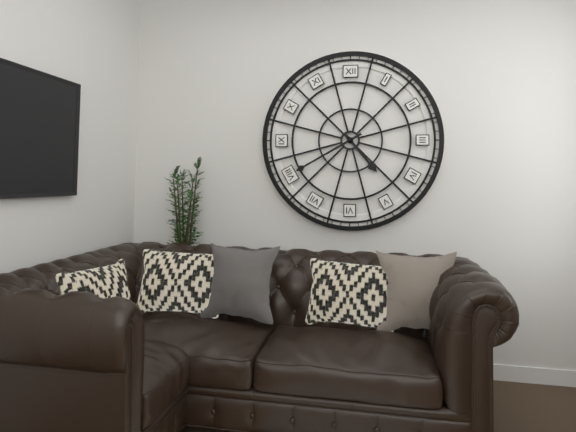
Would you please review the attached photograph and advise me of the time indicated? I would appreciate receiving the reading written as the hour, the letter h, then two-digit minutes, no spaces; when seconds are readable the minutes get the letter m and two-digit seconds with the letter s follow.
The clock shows 4h40
